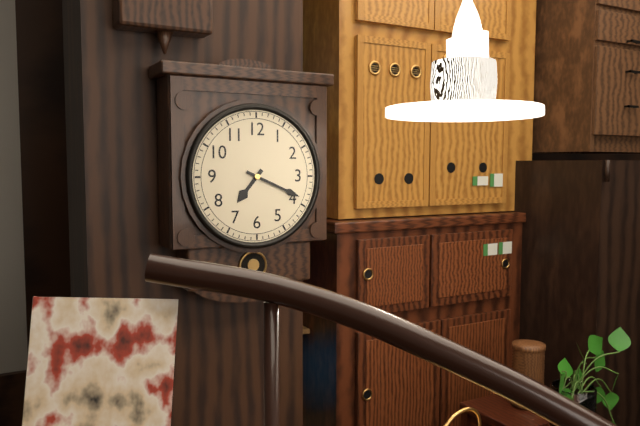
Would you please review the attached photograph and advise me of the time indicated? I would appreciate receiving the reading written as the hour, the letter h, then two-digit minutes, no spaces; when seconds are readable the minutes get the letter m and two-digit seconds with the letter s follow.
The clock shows 7h19
